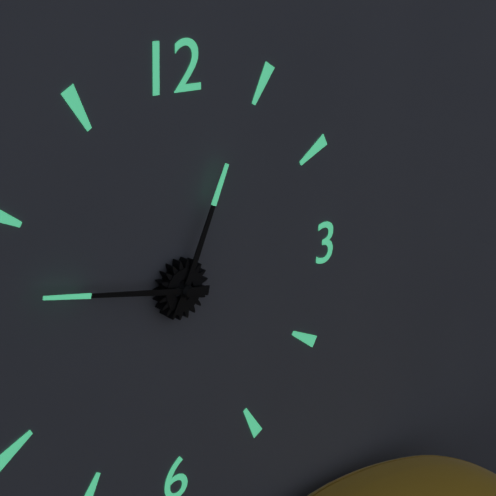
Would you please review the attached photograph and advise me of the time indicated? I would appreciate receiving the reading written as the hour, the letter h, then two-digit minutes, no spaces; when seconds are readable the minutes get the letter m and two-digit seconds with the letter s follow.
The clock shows 12h47
